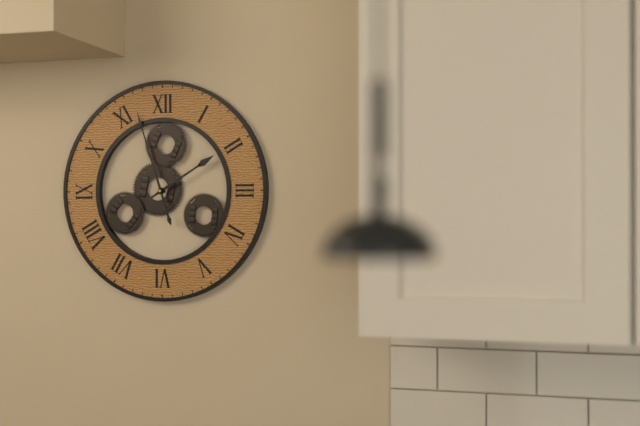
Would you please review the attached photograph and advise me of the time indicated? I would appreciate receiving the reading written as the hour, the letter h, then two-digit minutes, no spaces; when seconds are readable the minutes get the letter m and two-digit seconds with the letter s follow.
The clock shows 1h57
